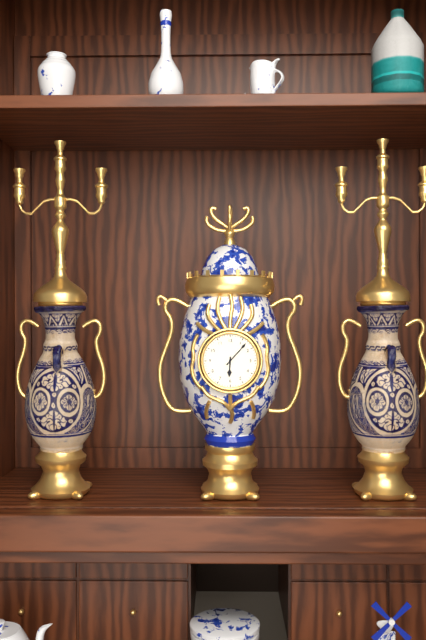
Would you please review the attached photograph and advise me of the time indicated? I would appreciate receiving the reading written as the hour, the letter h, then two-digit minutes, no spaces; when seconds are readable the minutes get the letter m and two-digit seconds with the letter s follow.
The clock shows 6h07
